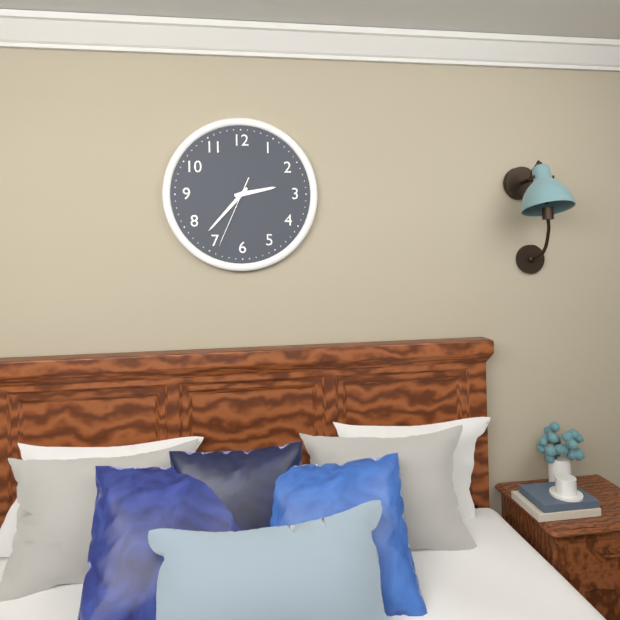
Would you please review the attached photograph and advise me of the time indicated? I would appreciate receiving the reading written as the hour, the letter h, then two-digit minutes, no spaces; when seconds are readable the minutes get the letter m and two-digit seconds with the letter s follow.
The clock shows 2h37m34s
